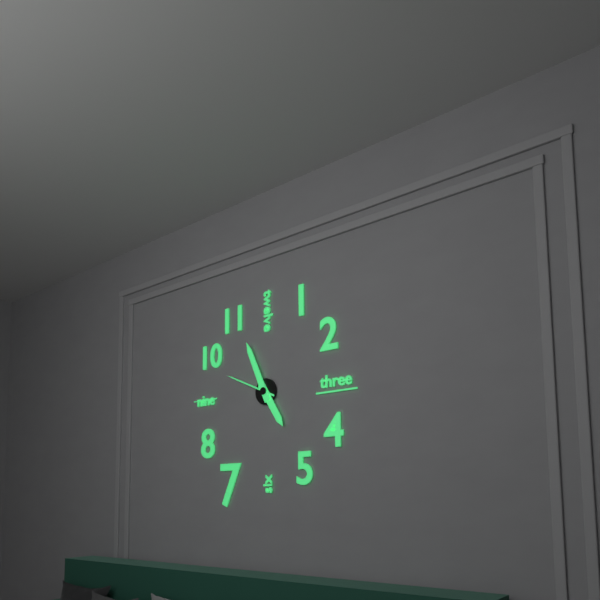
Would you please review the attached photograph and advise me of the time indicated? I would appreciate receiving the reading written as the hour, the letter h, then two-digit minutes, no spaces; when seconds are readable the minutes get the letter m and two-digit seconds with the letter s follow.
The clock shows 4h56m49s
